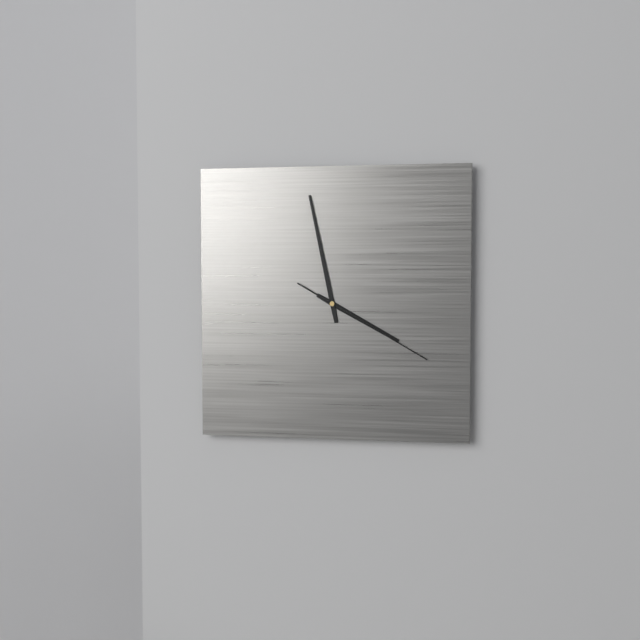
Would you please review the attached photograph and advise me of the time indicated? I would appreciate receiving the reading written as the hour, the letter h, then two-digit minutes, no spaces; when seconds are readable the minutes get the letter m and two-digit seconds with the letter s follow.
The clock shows 3h58m20s
